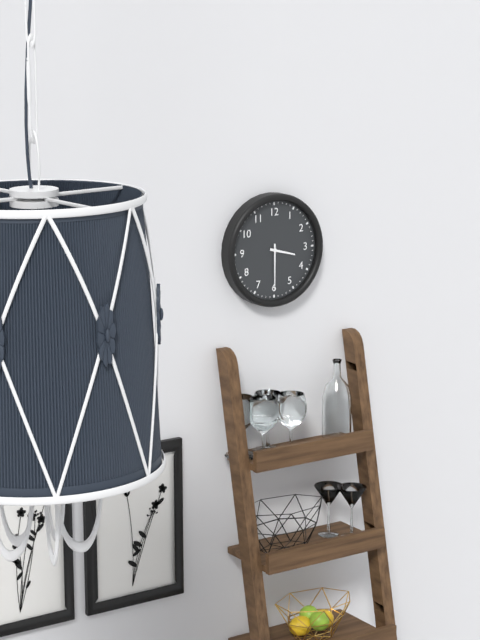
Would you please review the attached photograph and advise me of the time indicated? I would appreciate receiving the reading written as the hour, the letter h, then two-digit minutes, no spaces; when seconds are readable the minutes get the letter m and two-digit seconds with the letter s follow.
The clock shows 3h30
